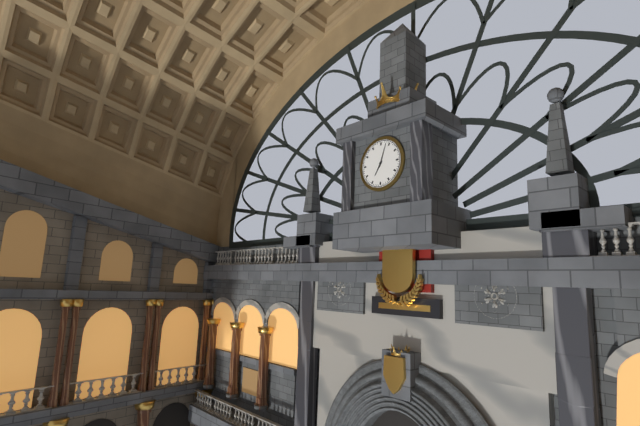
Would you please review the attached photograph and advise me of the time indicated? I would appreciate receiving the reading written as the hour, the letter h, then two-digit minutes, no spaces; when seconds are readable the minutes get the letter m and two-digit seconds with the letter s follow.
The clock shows 7h03
